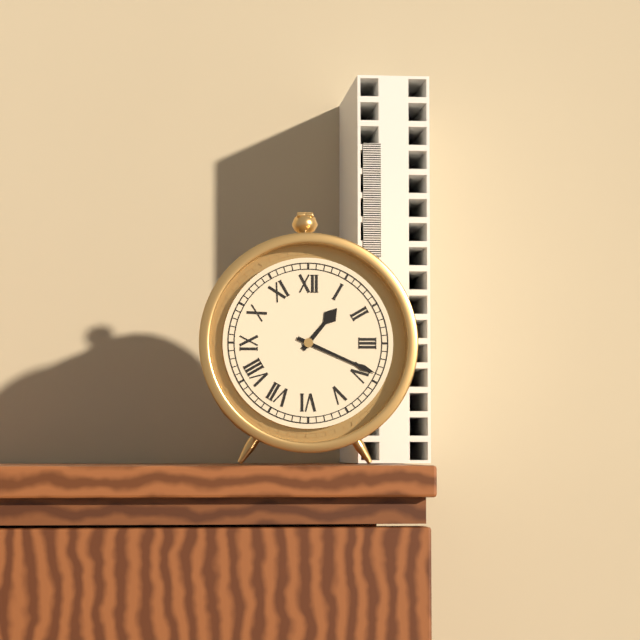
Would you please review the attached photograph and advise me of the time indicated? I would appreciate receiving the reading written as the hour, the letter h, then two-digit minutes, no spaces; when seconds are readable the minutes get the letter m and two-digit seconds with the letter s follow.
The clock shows 1h19
